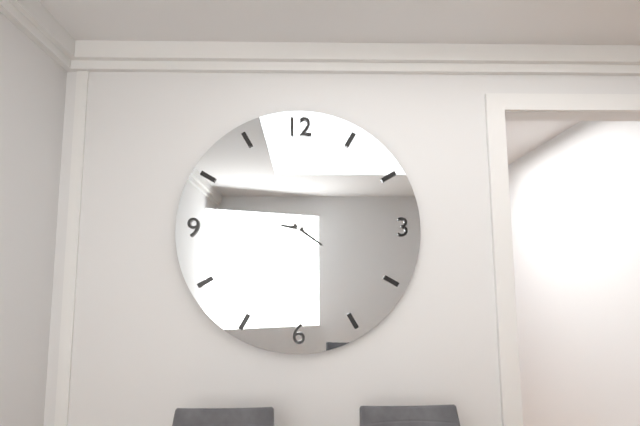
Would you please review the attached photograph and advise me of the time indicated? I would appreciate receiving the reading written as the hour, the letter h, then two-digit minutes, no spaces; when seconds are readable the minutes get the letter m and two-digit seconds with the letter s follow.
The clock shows 9h21
